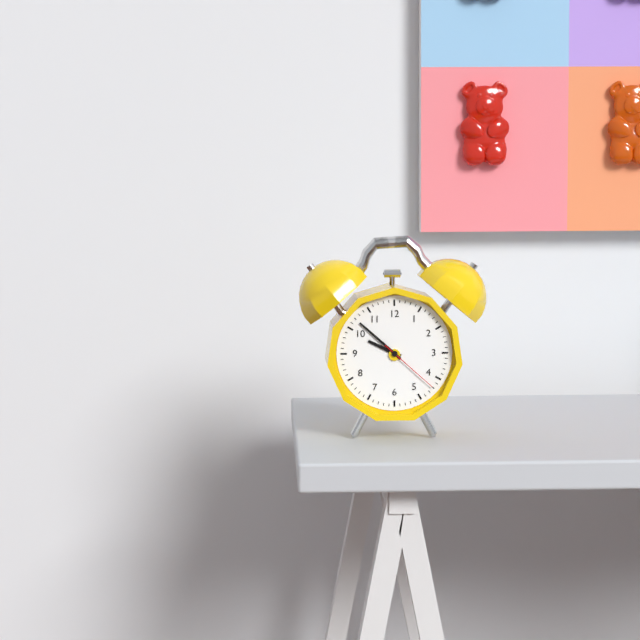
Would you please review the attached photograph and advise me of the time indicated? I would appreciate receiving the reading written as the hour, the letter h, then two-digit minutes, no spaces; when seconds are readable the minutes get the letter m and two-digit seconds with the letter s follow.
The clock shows 9h52m22s
